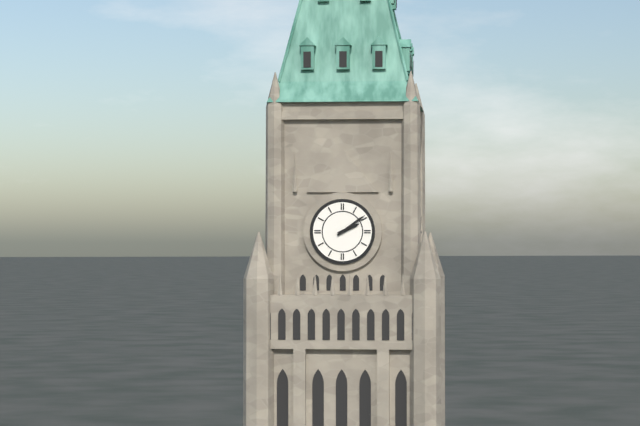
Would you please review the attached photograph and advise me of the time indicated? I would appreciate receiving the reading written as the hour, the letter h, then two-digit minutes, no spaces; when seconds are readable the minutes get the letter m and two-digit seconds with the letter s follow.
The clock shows 2h09
